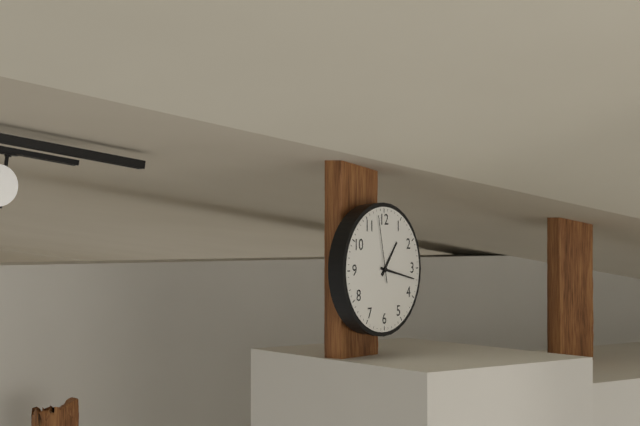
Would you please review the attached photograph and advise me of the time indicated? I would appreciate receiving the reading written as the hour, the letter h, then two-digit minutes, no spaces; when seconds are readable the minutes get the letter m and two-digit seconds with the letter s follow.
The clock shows 1h17m58s
